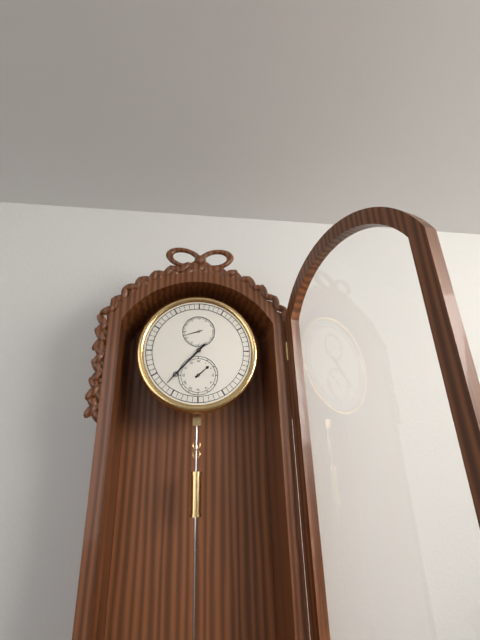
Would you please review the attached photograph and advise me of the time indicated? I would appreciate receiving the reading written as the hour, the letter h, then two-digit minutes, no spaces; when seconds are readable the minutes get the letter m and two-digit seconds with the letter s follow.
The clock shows 1h37
